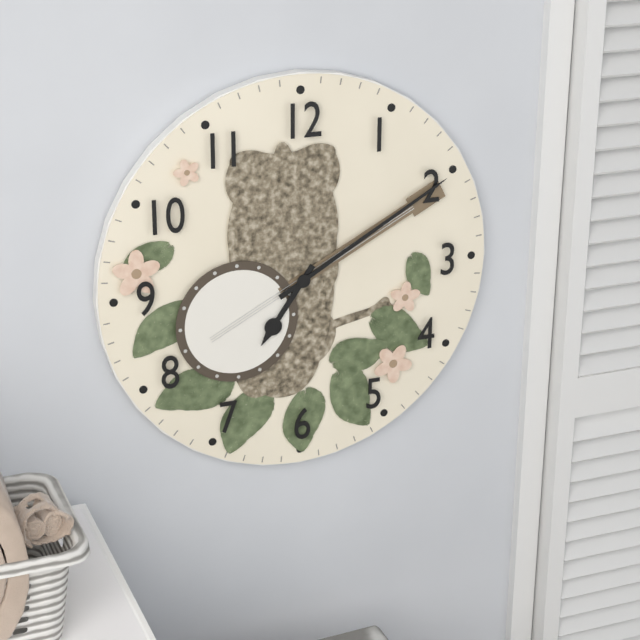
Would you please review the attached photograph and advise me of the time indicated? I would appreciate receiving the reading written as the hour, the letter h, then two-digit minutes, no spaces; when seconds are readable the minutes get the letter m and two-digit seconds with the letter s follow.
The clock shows 7h10
